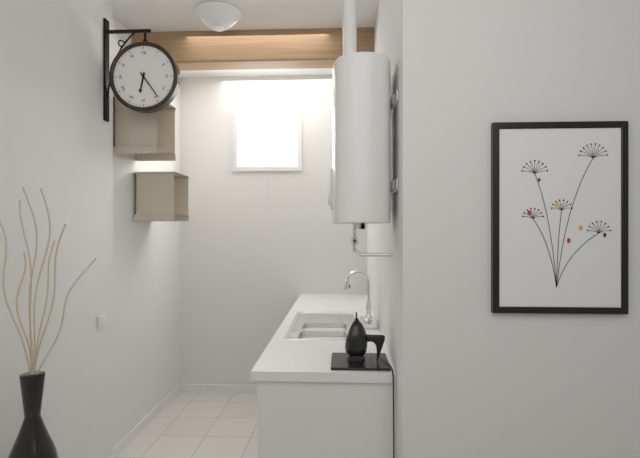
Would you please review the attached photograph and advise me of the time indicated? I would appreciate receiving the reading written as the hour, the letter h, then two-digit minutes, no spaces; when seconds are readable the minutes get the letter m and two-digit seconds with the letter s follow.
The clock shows 6h24
